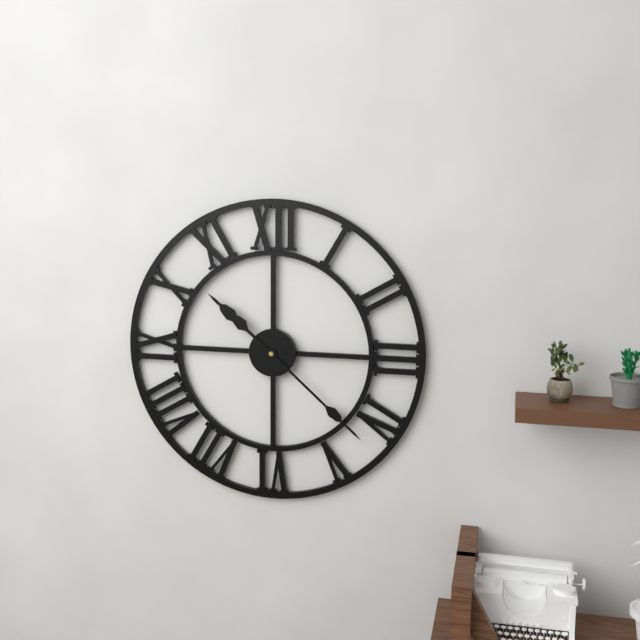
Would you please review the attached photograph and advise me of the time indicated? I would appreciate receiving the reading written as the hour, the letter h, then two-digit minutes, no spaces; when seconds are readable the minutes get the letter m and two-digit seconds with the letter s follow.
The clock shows 10h22
